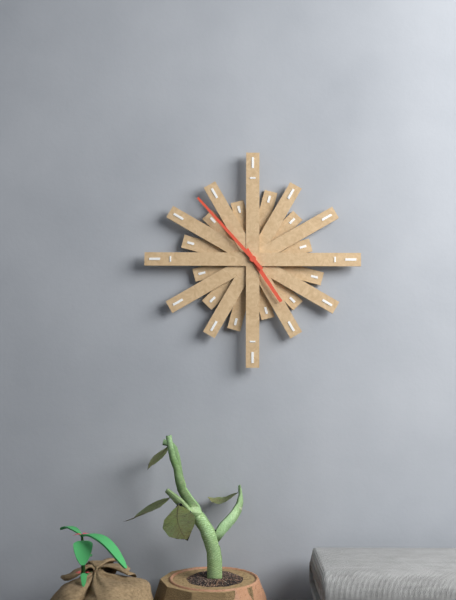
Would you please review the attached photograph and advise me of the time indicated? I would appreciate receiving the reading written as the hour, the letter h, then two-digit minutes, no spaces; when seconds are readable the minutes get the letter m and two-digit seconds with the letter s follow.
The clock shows 4h53
